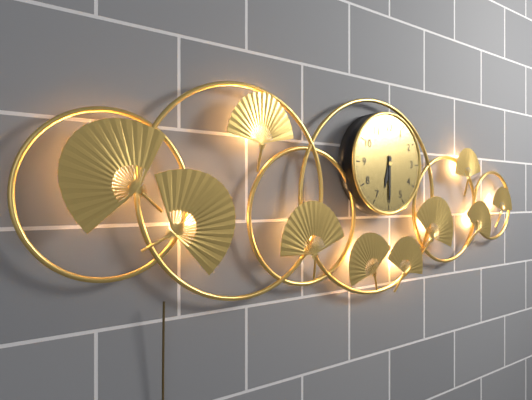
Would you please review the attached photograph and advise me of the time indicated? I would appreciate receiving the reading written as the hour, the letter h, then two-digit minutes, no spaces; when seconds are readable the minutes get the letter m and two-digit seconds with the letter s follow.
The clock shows 6h30
